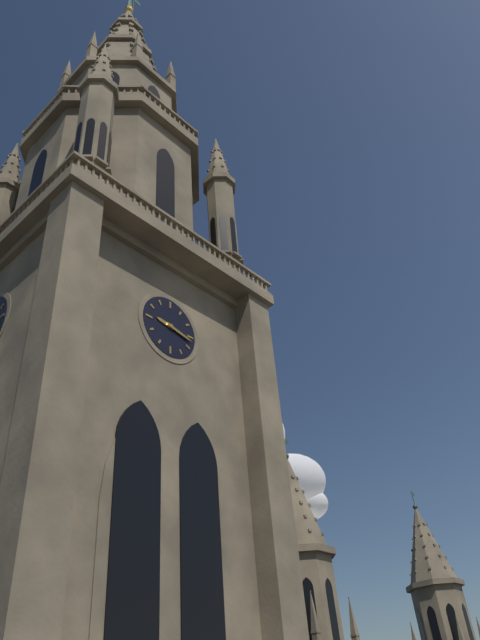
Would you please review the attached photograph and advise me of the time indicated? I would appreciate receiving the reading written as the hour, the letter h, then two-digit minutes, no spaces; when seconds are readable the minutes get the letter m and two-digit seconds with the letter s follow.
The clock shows 9h17
